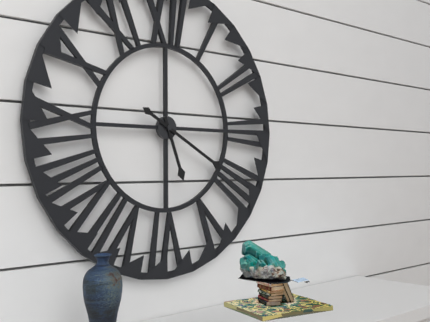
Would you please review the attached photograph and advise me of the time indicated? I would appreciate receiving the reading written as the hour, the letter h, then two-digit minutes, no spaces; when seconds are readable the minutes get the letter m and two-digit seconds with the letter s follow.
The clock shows 5h20
